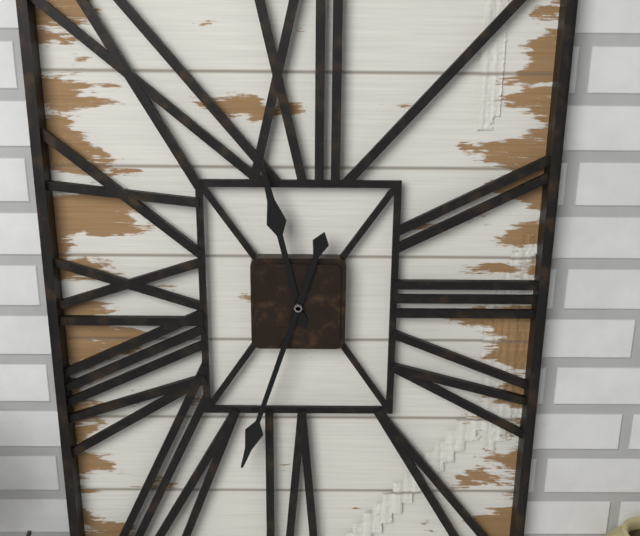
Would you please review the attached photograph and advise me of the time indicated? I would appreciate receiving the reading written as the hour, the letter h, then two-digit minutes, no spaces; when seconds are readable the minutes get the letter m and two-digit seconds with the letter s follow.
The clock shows 11h33
